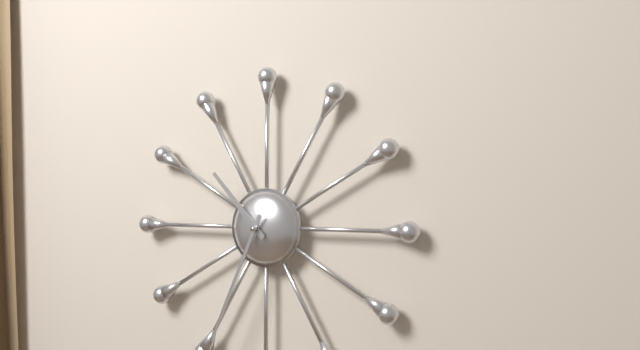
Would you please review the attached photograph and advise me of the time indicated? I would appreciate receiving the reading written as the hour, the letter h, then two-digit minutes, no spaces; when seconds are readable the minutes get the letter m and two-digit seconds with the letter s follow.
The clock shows 10h34
